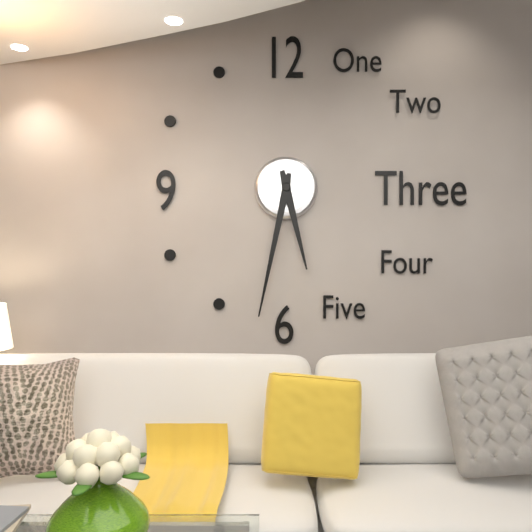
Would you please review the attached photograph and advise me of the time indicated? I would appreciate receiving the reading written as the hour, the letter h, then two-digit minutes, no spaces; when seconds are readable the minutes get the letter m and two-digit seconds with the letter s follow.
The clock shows 5h32
